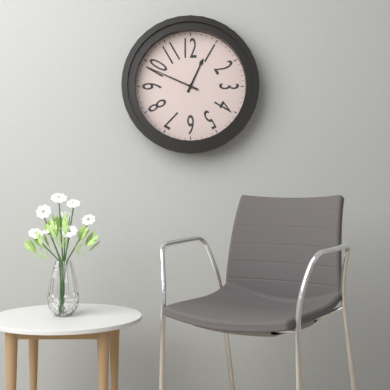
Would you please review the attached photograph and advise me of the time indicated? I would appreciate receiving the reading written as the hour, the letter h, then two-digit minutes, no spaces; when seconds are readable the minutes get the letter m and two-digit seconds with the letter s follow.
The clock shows 12h49
